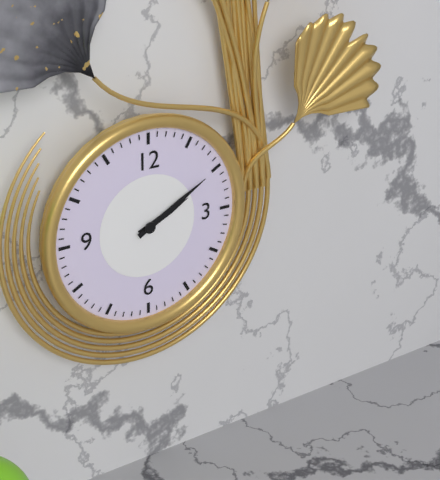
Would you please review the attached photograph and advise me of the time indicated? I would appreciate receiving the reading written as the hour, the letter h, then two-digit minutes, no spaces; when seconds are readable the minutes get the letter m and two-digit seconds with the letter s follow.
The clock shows 2h10
